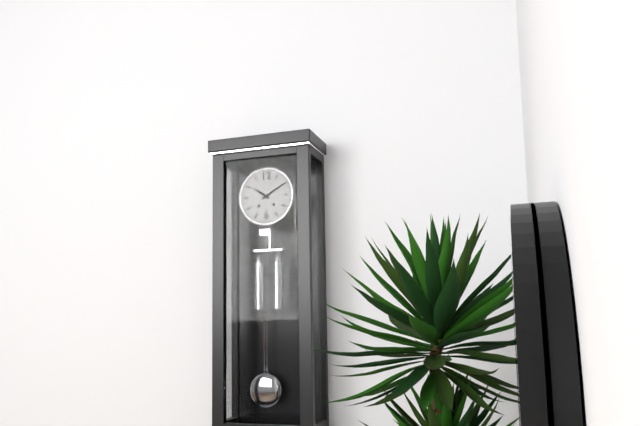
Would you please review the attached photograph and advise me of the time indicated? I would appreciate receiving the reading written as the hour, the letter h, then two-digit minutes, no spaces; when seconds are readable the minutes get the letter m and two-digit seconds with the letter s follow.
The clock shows 10h10
